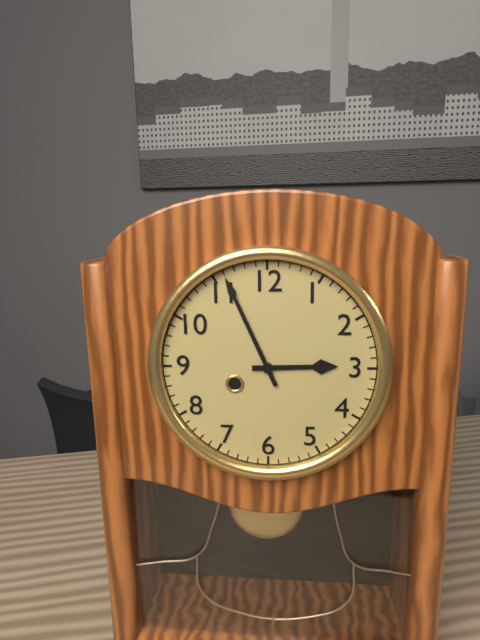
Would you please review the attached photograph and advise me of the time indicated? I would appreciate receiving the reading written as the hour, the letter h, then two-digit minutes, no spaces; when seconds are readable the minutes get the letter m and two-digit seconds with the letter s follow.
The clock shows 2h56
